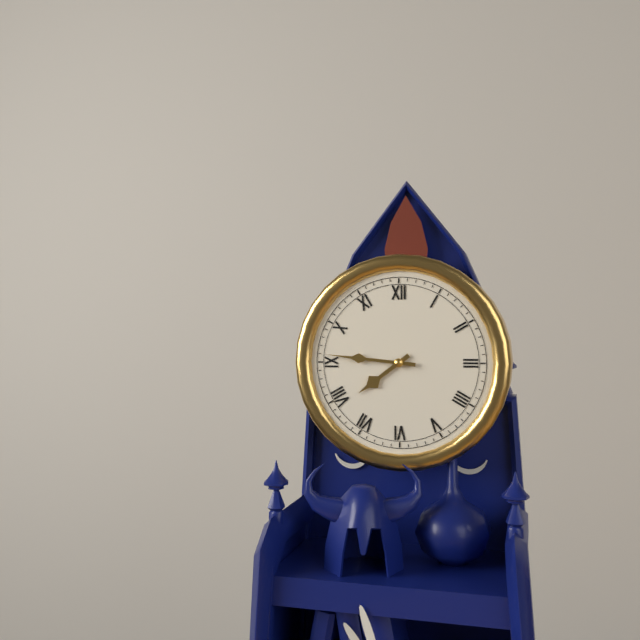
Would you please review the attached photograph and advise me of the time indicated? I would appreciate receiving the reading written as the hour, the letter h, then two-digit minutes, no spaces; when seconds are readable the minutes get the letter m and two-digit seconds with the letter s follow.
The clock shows 7h46
